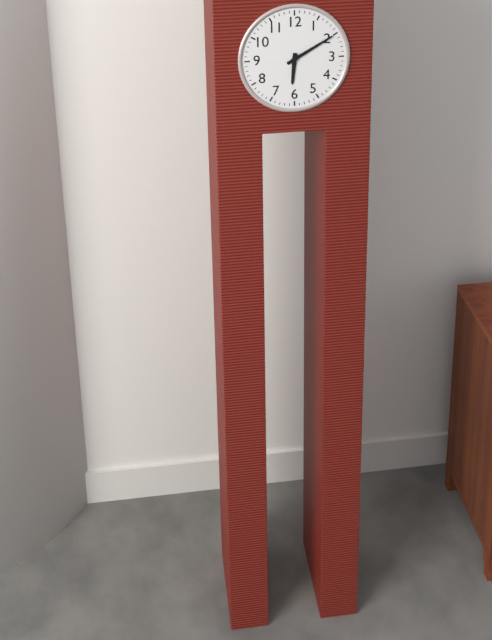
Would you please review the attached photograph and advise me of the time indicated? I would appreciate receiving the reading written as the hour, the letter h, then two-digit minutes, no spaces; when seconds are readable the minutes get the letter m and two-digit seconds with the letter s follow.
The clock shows 6h10
